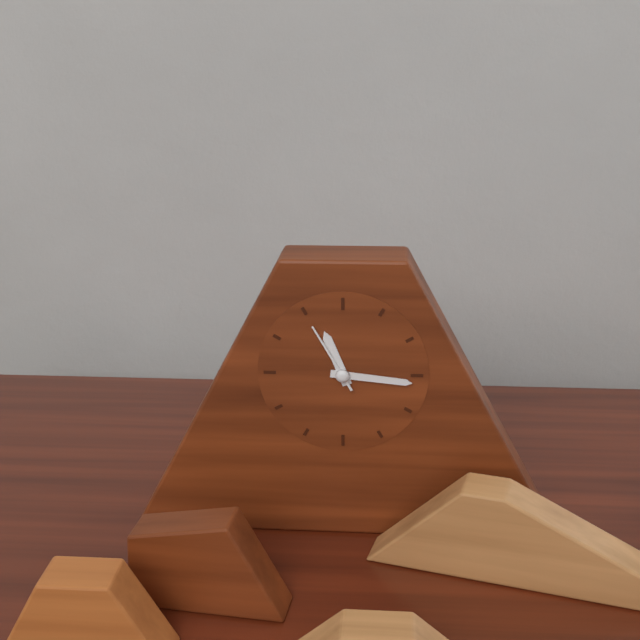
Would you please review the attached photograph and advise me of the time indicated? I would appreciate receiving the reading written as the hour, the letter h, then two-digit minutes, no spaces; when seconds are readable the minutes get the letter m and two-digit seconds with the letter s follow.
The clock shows 11h16m55s
